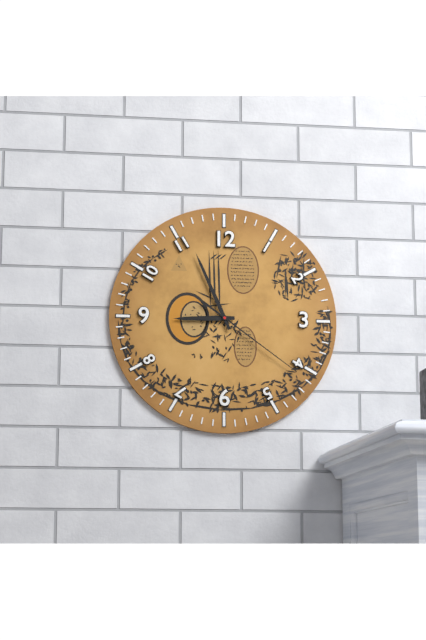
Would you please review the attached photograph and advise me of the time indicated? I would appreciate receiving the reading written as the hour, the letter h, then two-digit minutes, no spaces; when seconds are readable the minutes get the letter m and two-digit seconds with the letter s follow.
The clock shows 8h56m21s
